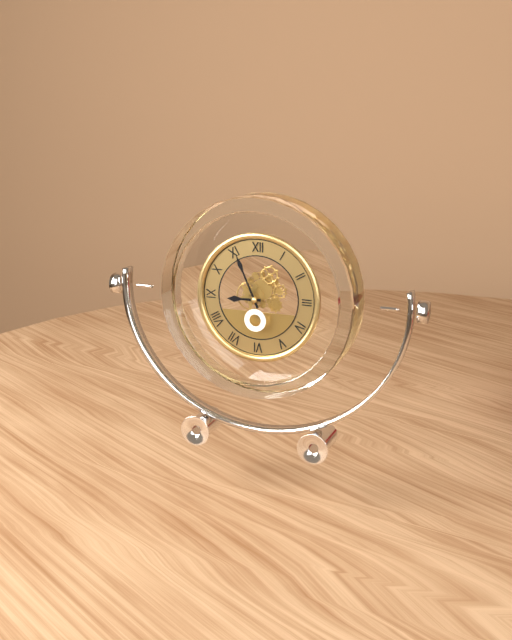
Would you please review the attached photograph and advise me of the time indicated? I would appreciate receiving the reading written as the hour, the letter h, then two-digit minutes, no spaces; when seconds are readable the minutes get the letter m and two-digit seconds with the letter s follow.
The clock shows 8h56
